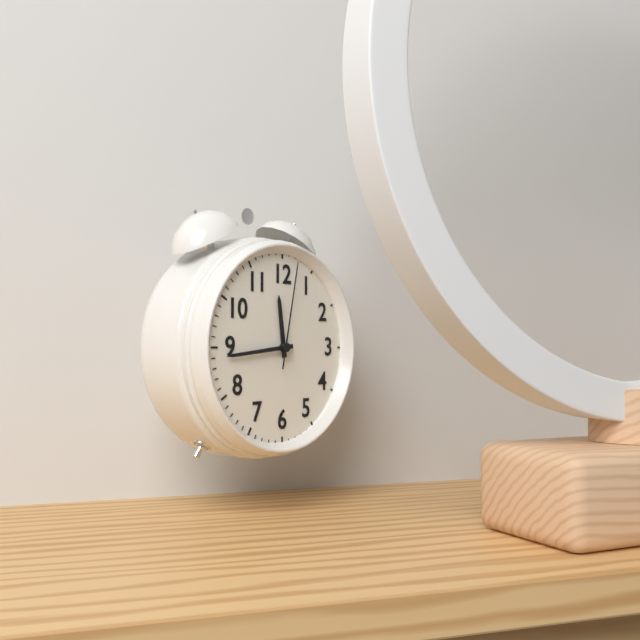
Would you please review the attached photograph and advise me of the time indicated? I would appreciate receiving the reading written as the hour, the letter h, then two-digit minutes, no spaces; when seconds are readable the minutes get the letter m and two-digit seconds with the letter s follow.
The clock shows 11h44m02s
